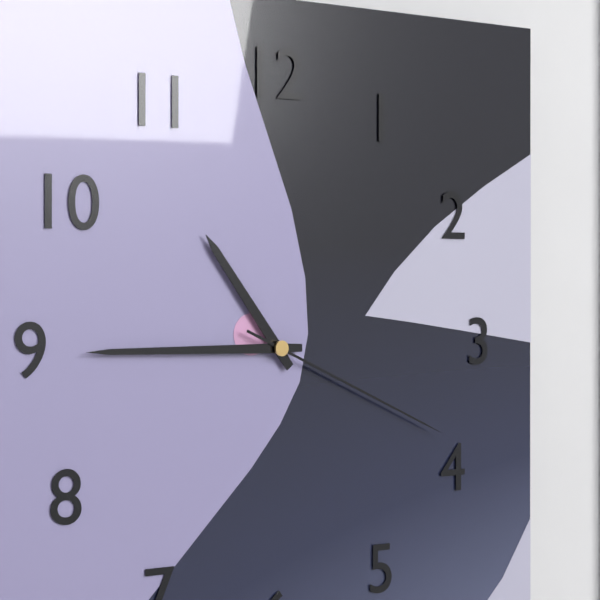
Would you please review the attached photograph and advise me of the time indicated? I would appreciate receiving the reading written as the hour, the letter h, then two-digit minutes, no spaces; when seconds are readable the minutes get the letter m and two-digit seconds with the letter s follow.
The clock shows 10h45m19s
